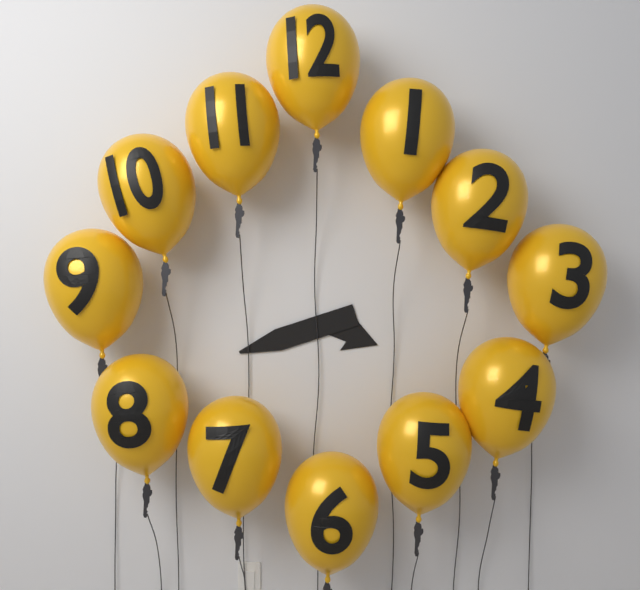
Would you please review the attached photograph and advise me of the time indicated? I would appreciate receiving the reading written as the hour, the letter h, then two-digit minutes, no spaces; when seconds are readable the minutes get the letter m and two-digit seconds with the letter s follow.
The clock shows 3h42
